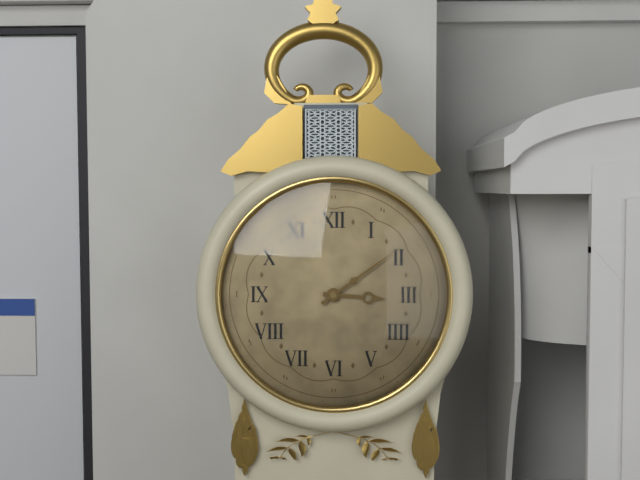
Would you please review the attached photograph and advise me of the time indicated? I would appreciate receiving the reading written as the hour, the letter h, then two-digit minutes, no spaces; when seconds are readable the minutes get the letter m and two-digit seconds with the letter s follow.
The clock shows 3h09
